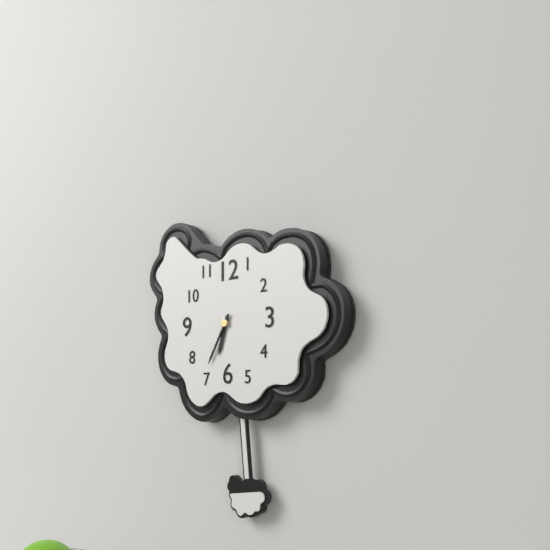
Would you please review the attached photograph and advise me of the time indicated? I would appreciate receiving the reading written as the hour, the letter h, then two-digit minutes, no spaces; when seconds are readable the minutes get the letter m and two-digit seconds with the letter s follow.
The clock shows 6h35
